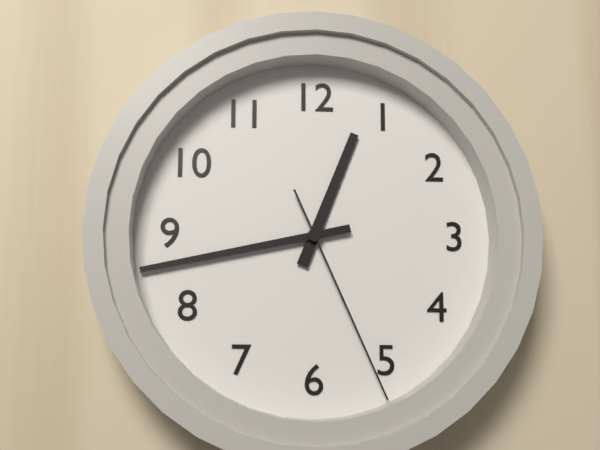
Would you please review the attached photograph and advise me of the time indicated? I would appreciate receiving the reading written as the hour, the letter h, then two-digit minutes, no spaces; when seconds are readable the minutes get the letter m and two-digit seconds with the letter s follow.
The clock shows 12h43m26s
